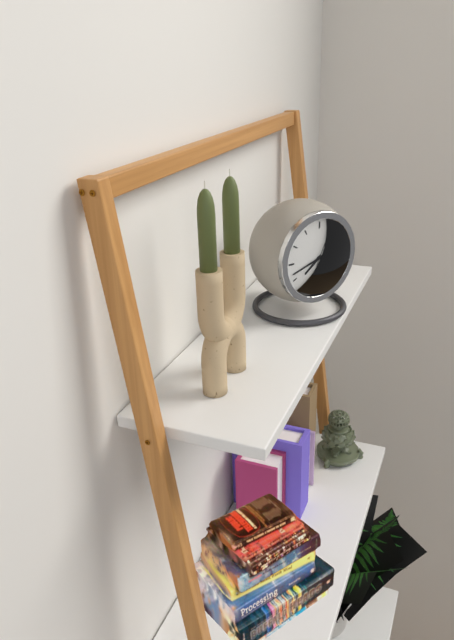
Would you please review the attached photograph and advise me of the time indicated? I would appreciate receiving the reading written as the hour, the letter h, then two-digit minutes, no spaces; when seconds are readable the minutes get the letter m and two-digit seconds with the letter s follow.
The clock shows 7h42
